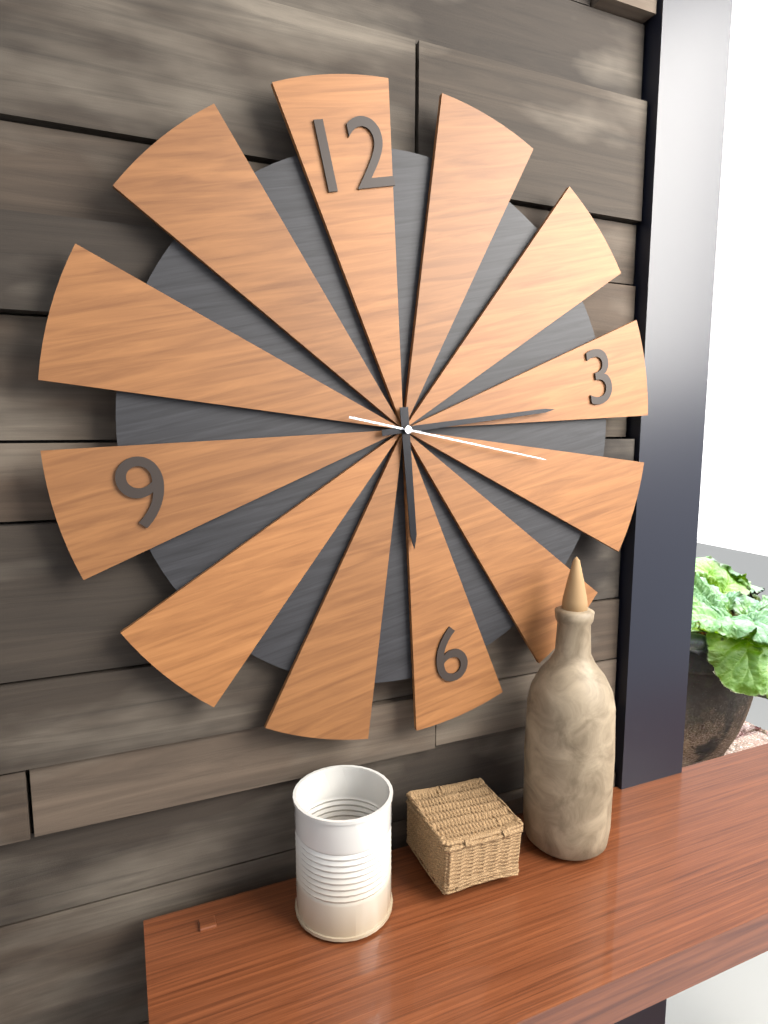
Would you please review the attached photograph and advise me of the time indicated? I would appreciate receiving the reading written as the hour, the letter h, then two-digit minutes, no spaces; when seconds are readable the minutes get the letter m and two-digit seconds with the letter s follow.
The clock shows 6h16m19s
